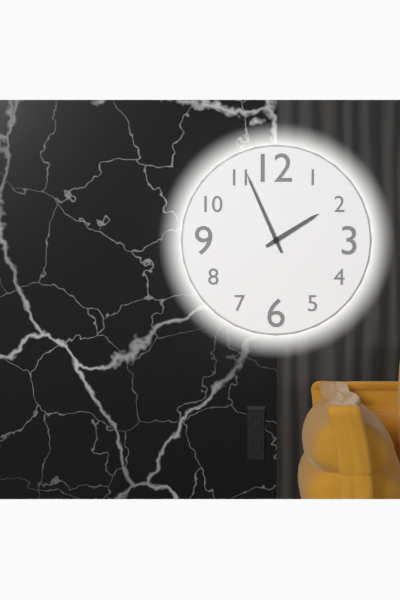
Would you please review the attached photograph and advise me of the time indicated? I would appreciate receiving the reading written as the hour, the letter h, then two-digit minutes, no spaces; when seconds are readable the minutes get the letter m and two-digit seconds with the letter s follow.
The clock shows 1h56
